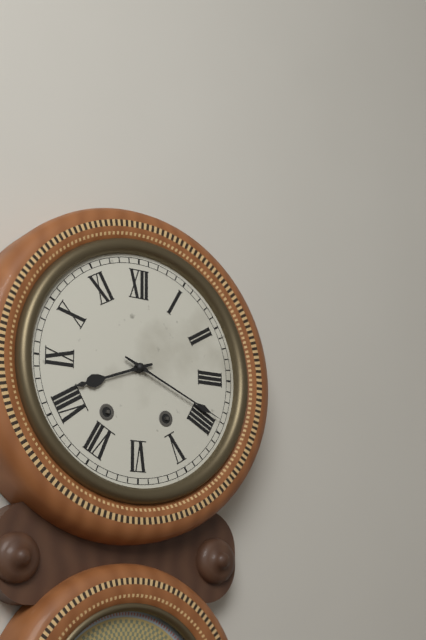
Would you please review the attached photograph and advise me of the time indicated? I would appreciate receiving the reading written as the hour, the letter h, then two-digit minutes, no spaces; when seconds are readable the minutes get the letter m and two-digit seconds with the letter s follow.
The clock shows 8h19
